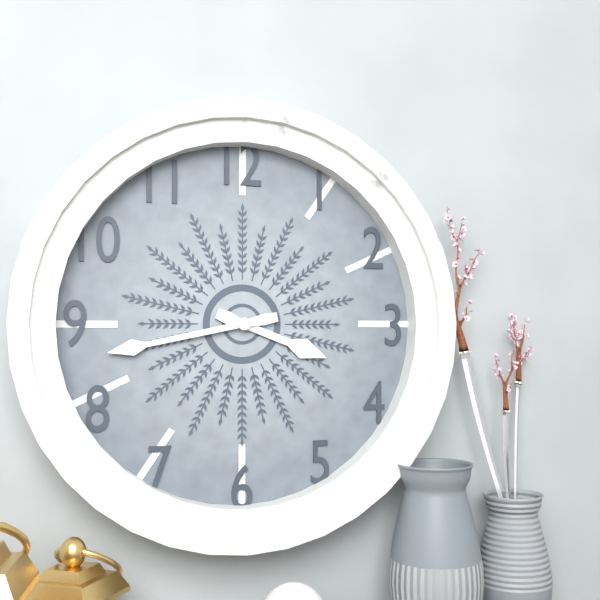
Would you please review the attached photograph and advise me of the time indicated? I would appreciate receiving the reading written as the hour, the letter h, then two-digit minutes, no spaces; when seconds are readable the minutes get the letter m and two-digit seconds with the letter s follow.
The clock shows 3h43
